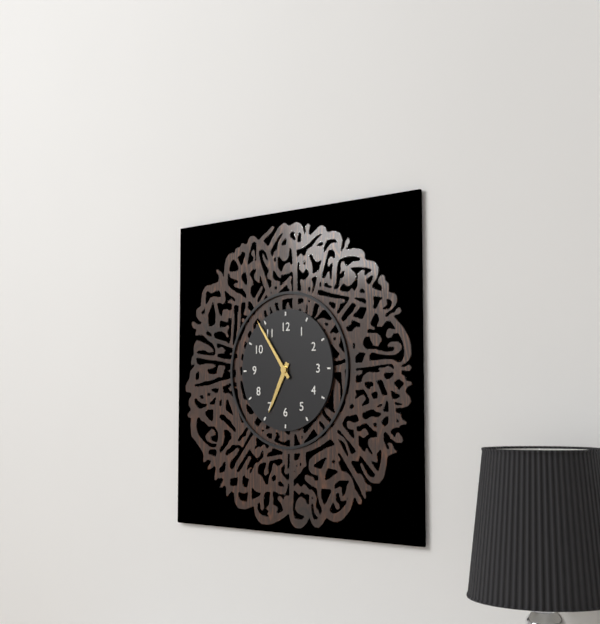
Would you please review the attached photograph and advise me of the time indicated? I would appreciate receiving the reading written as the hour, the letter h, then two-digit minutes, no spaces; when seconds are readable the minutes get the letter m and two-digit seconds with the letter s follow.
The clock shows 6h54
